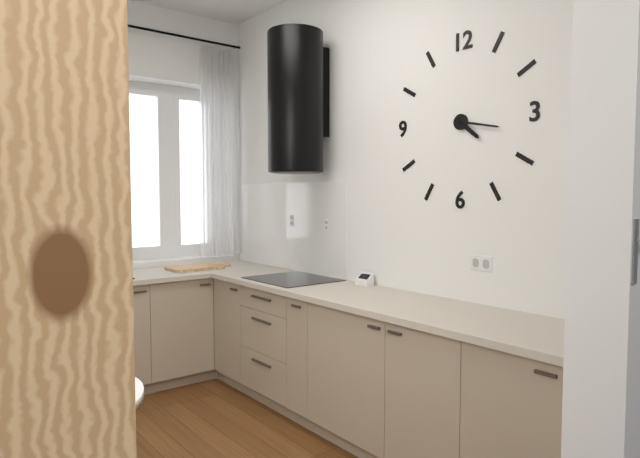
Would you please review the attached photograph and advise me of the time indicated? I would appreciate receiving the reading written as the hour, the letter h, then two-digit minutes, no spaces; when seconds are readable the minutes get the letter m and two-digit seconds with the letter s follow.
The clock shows 4h17
